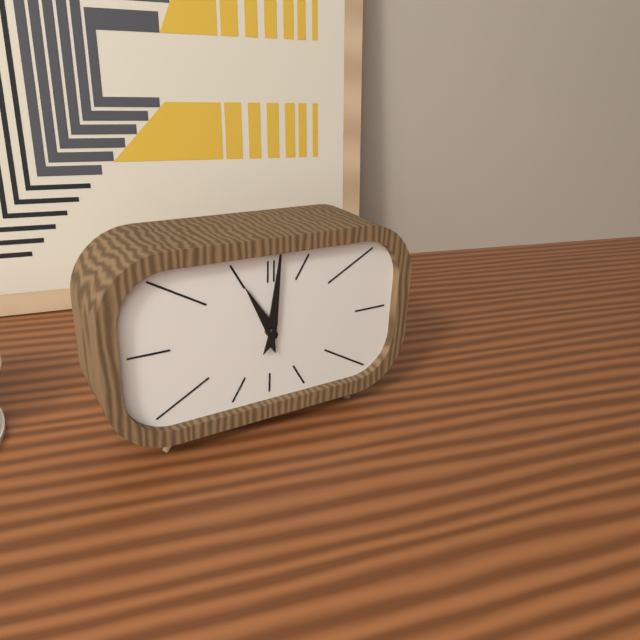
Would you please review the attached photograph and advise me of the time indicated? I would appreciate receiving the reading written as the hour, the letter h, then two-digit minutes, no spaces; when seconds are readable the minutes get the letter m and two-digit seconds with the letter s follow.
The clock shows 11h01
